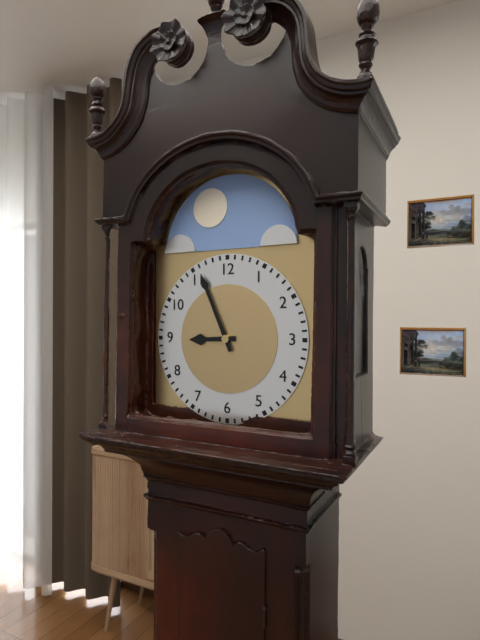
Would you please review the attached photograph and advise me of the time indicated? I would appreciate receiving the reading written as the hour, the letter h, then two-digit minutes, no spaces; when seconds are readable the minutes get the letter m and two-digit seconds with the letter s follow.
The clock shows 8h56
